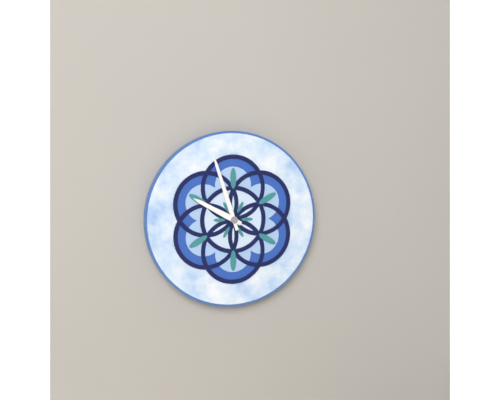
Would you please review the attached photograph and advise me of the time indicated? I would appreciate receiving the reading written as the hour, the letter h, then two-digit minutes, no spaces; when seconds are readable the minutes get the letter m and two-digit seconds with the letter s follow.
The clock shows 9h57
